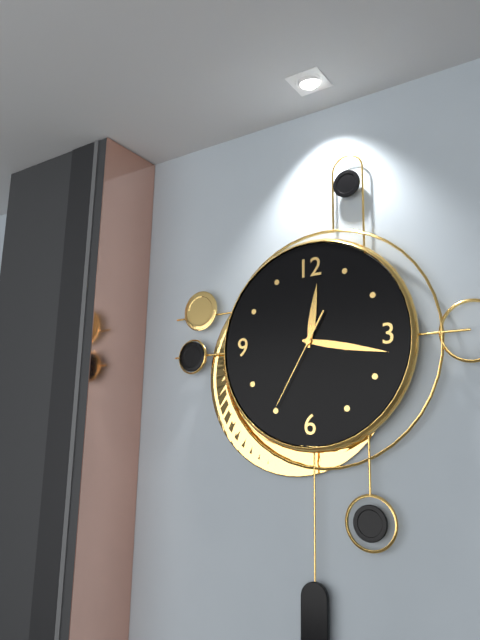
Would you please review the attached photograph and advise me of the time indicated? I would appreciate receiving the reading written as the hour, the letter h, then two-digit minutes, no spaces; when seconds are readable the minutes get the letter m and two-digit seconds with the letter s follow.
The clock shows 12h17m35s
